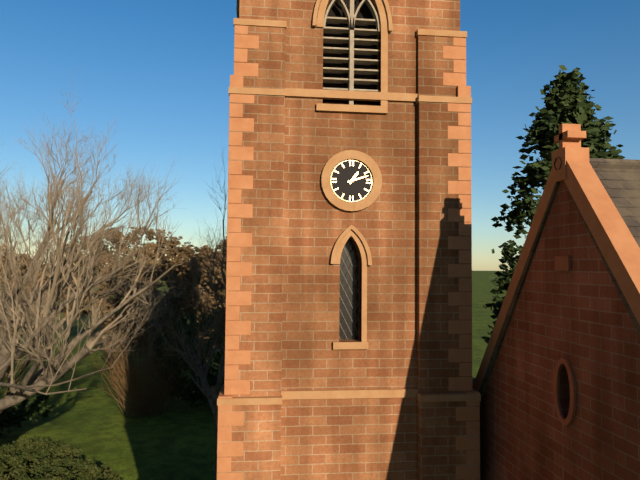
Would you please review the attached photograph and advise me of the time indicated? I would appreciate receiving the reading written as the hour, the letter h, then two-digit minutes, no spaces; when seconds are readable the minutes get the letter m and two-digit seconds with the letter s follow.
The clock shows 1h12
